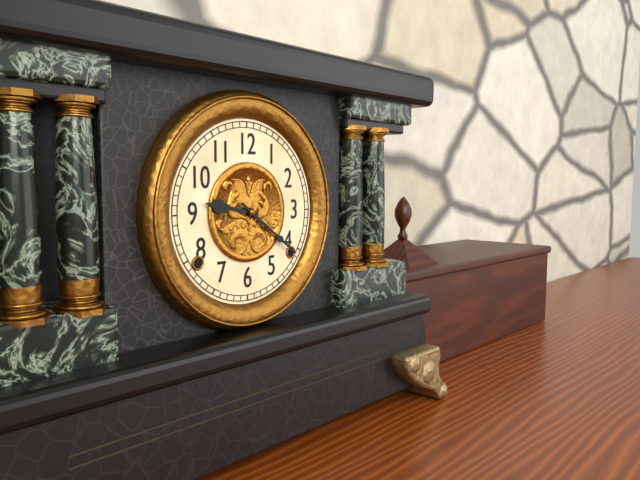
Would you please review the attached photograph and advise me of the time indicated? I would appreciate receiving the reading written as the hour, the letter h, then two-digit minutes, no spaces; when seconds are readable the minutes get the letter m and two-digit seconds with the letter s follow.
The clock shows 9h21
